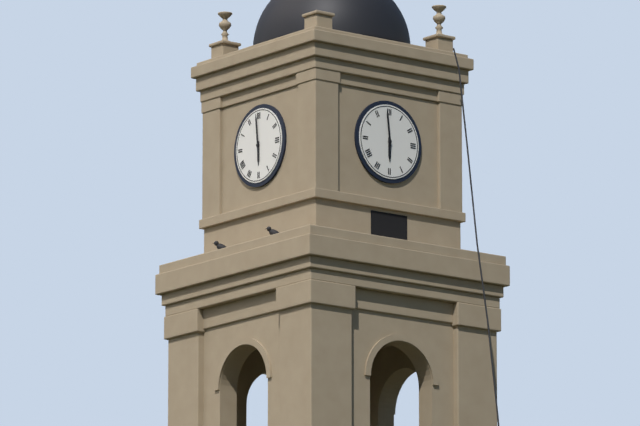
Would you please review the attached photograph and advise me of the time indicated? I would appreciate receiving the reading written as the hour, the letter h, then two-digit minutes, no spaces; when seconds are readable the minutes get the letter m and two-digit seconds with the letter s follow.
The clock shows 5h59
